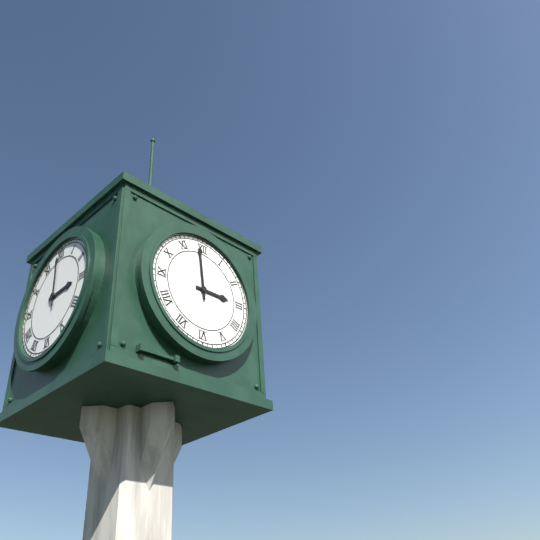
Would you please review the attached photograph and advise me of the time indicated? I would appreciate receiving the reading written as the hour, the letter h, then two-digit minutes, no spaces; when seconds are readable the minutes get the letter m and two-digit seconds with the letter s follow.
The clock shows 2h59
